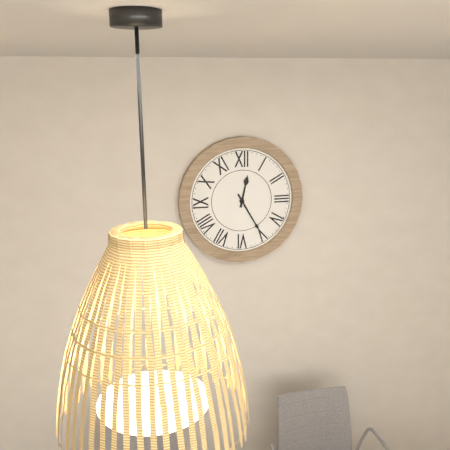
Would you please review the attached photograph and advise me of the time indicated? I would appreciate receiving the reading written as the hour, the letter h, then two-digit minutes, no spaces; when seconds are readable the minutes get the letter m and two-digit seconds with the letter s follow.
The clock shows 12h25
